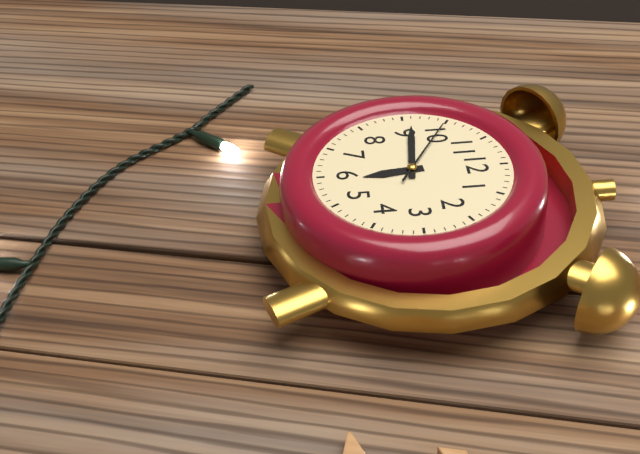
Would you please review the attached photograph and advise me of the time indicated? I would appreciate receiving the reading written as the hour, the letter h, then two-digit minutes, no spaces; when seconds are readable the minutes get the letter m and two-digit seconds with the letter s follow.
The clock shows 5h46m50s
